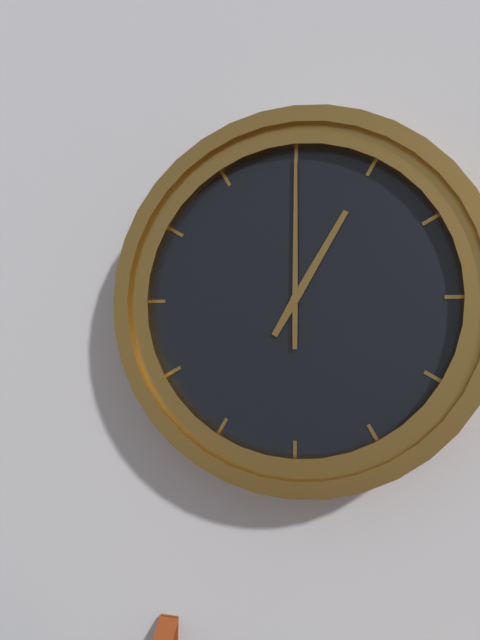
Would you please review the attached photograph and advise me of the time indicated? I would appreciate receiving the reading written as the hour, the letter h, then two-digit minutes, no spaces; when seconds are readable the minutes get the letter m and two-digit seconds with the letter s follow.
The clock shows 1h00
